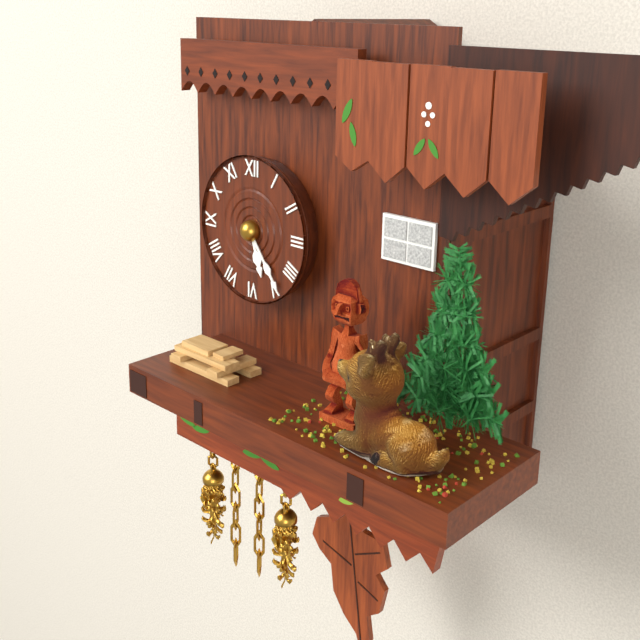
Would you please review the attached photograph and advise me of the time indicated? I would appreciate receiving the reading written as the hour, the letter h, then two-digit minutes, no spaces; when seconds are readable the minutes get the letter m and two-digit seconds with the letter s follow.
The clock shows 5h24
